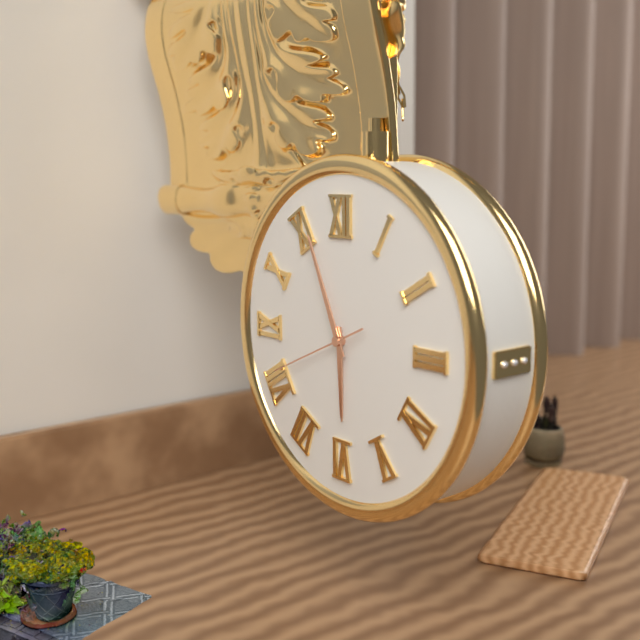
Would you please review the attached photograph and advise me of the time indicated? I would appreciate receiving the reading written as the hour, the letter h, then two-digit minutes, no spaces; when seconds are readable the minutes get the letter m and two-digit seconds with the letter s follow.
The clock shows 5h56m41s
